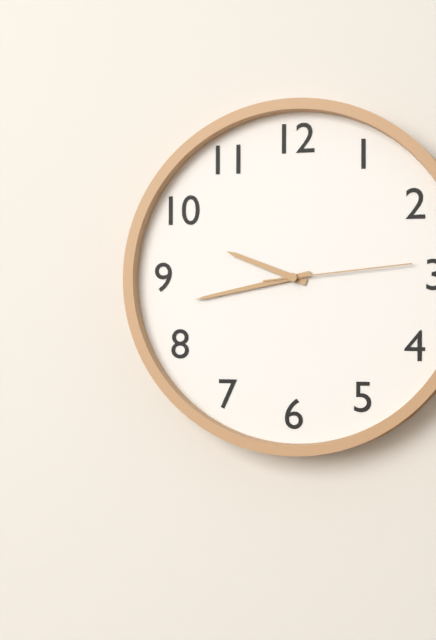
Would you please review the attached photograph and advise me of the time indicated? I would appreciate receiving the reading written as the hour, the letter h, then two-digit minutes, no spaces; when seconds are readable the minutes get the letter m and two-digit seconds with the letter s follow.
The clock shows 9h43m14s
